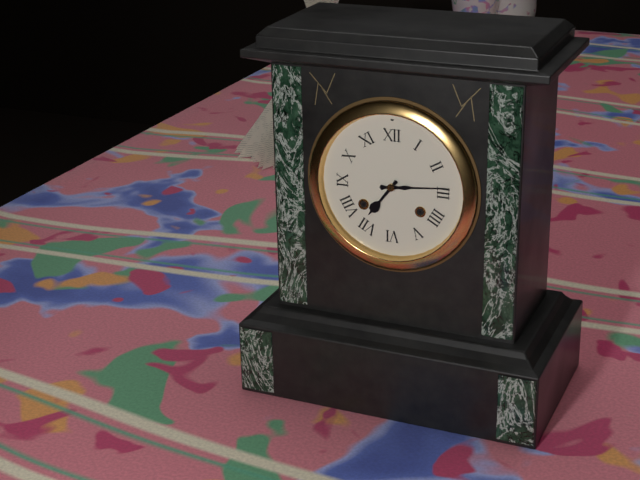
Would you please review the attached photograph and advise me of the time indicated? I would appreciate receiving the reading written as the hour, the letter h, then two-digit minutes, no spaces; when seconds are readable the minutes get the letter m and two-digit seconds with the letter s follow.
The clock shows 7h14
